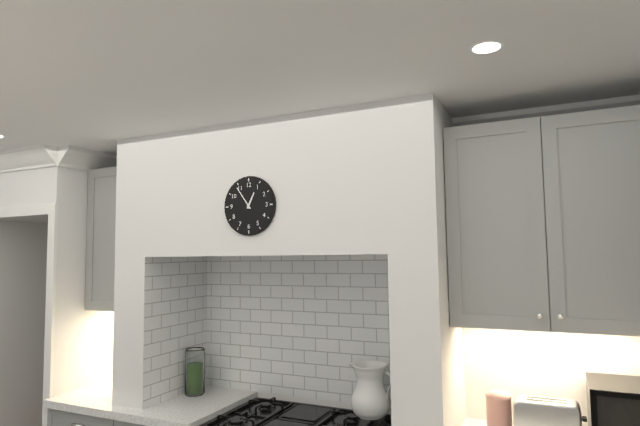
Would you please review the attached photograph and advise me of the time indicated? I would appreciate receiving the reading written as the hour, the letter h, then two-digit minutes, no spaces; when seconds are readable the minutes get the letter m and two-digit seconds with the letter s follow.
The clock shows 12h54
